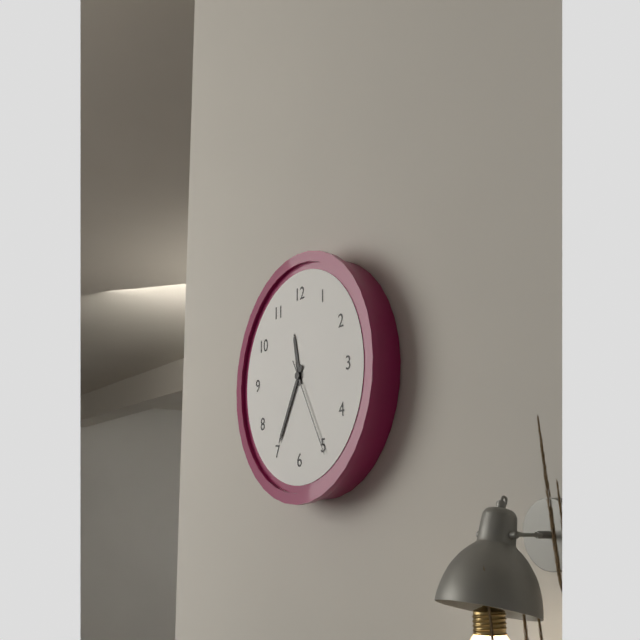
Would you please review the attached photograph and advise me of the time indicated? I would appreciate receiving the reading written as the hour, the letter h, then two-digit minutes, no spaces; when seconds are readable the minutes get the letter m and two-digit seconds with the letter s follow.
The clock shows 11h35m25s
